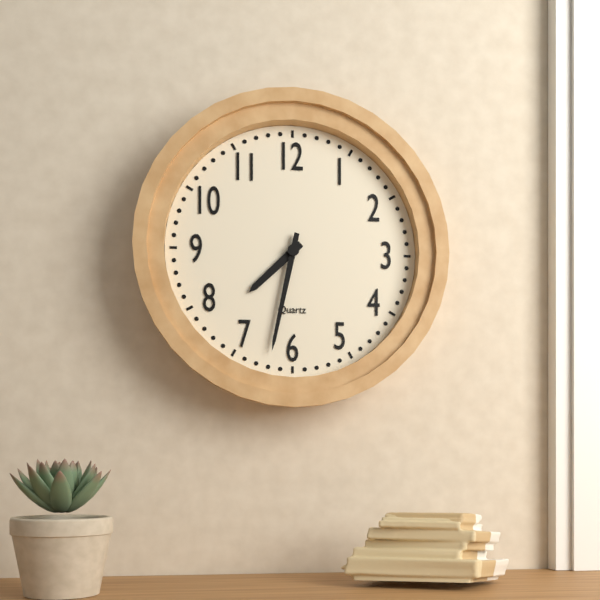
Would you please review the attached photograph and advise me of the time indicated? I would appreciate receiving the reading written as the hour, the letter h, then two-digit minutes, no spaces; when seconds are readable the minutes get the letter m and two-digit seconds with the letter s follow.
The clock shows 7h32
